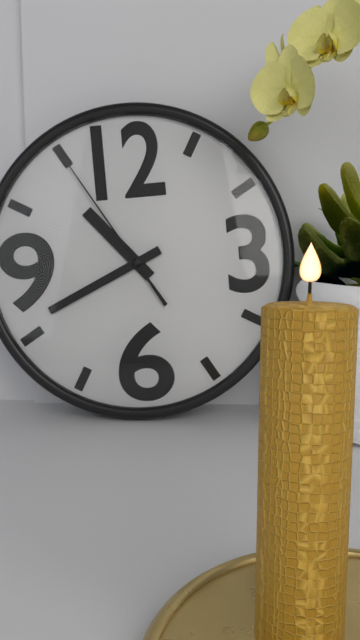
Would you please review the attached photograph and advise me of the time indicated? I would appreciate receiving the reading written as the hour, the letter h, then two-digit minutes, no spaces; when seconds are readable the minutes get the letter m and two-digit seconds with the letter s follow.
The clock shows 10h41m55s
